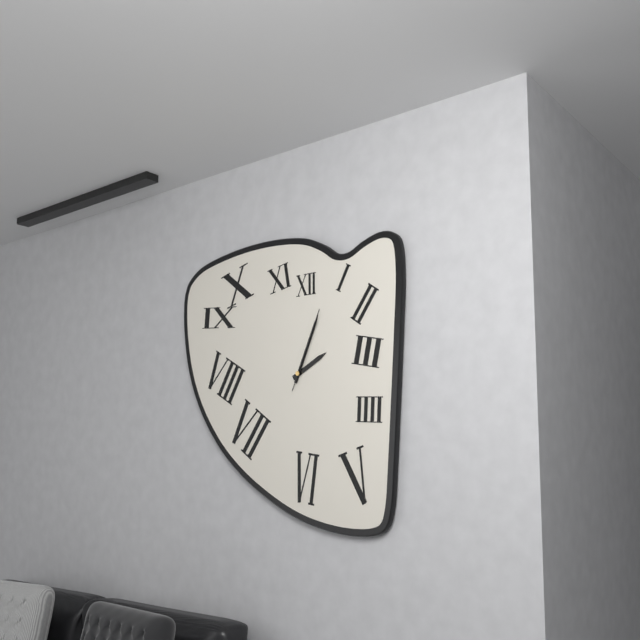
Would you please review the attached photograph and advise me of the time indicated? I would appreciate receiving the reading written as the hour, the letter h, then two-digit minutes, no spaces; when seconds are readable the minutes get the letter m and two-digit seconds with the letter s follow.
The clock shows 2h04m04s
